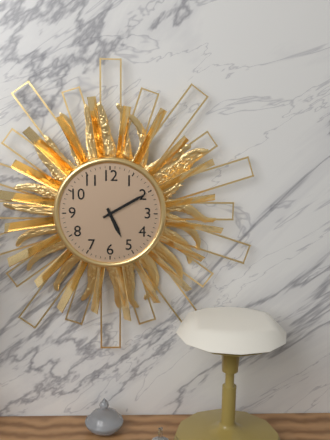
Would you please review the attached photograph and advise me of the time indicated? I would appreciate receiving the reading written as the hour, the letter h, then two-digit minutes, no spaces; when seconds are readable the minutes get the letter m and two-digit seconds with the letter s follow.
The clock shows 5h10
